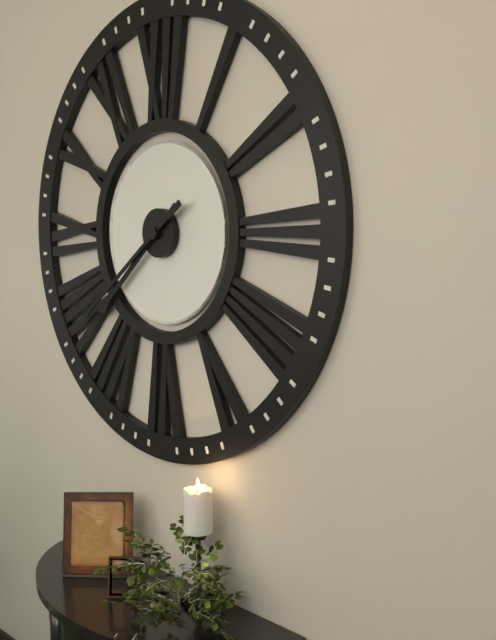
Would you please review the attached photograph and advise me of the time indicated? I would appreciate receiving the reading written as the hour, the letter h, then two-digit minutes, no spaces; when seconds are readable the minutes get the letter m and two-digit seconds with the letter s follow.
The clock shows 7h39
